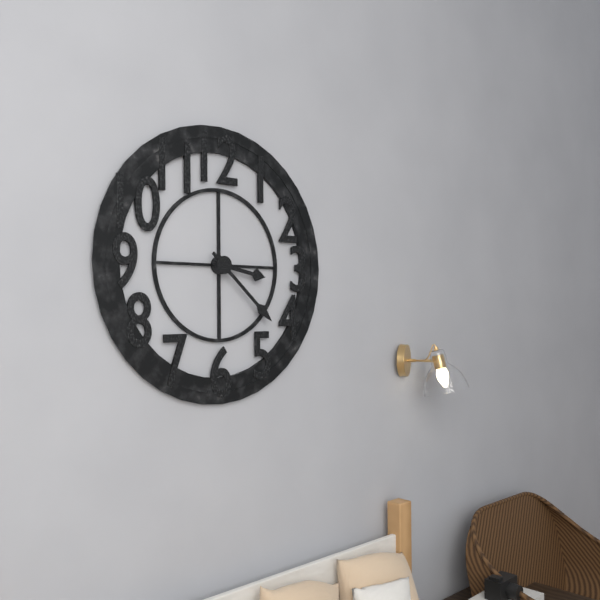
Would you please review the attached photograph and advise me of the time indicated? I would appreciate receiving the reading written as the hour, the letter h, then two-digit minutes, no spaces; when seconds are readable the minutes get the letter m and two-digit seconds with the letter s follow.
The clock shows 3h22
